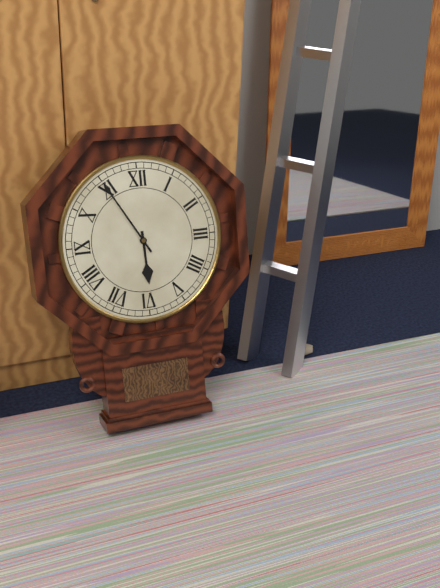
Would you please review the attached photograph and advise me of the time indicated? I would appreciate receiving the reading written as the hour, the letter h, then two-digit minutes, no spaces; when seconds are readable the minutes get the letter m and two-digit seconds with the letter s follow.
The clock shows 5h55
